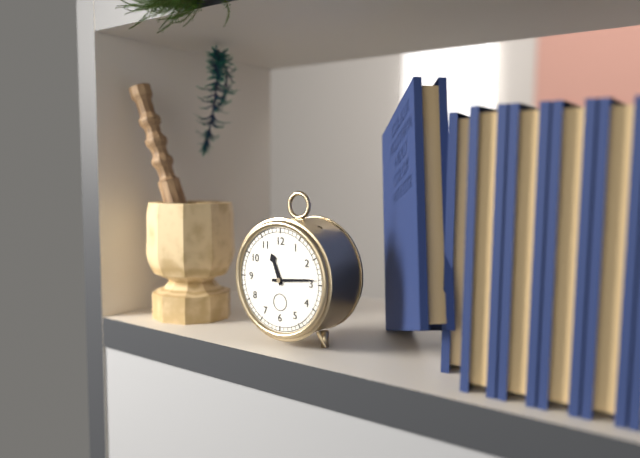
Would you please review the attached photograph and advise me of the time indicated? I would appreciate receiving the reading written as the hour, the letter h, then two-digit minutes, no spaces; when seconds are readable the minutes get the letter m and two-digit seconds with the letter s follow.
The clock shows 11h14
